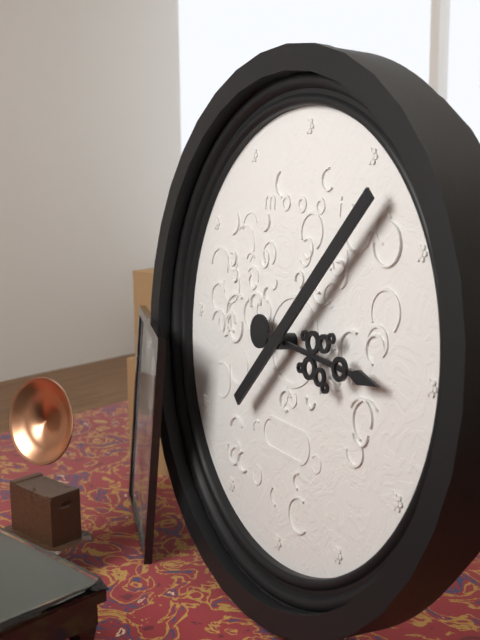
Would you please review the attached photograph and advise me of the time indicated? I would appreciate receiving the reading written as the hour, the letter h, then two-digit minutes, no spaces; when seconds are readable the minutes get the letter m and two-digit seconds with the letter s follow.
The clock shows 3h07
